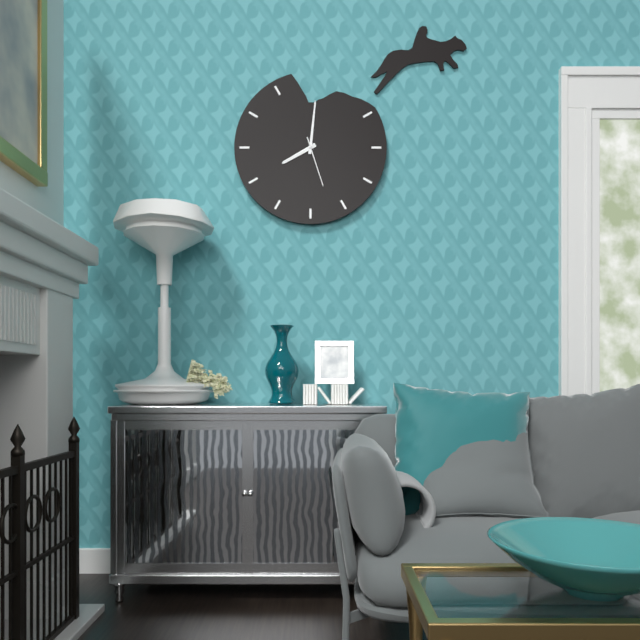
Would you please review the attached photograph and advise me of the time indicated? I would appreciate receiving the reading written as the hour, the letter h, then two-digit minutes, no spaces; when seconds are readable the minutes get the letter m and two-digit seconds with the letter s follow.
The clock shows 8h01m27s
